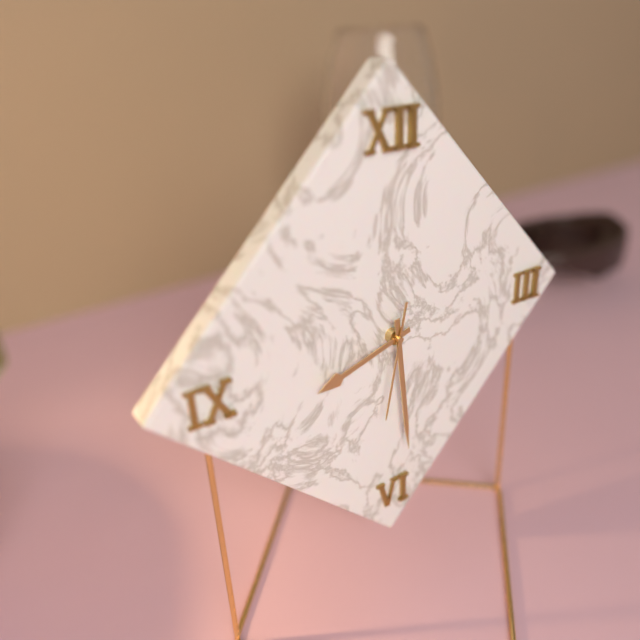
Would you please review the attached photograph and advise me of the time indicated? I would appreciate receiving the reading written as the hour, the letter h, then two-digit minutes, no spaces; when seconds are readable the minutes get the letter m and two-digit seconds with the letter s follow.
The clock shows 8h29m32s
